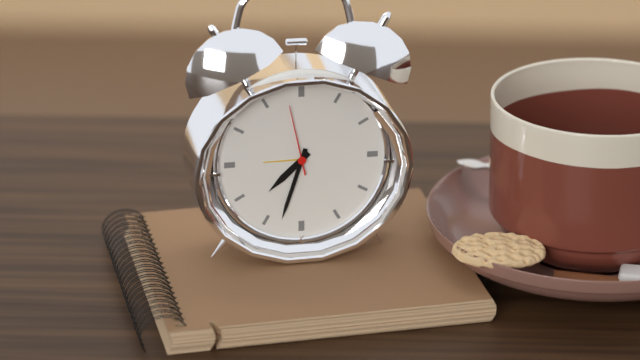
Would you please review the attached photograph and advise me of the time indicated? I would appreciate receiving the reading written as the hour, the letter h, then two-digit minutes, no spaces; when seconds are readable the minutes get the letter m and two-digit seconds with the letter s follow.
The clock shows 7h33m58s
